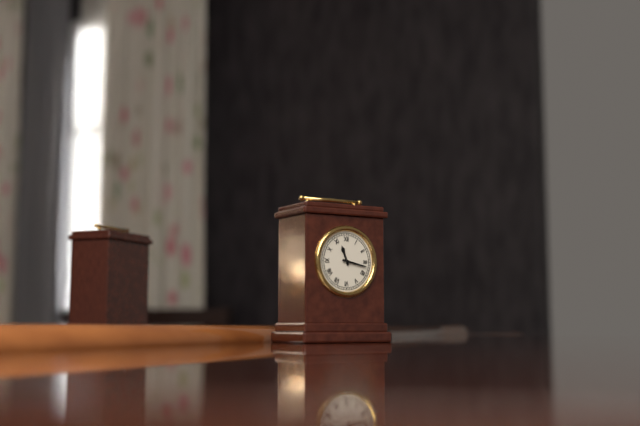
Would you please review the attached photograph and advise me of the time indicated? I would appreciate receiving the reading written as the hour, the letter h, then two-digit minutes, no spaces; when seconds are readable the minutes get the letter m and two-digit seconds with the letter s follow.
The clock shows 11h17
